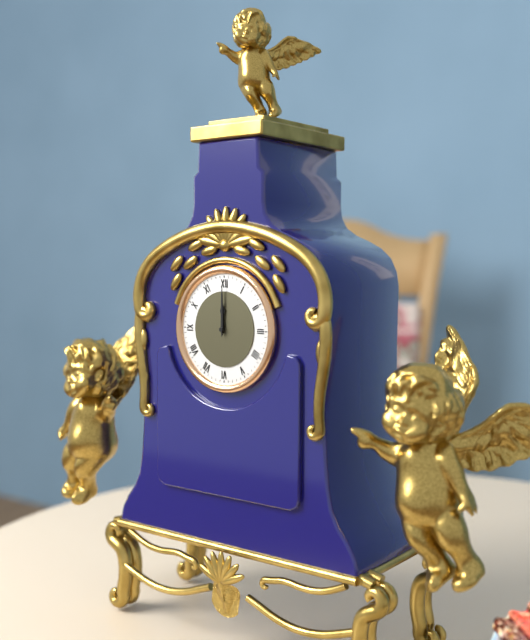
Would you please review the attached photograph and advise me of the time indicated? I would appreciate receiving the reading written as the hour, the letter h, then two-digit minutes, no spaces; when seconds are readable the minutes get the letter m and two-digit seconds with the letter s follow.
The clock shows 12h00
